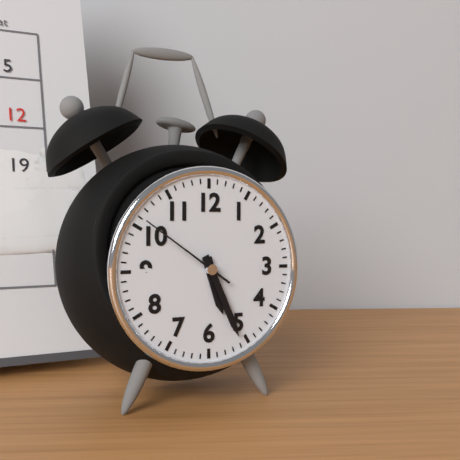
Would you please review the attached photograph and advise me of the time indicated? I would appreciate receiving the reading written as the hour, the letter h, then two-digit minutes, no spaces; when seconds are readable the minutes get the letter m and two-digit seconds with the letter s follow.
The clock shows 5h26m51s
